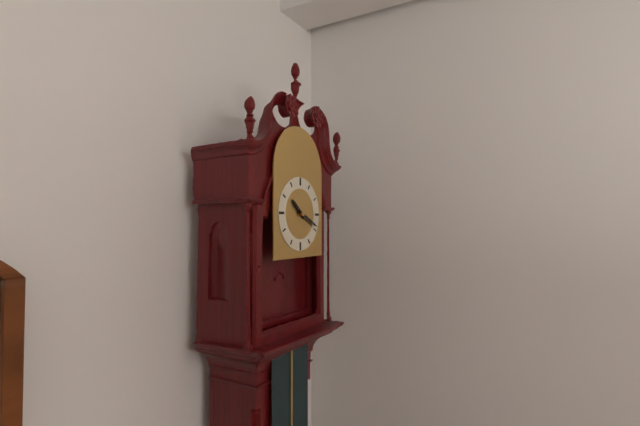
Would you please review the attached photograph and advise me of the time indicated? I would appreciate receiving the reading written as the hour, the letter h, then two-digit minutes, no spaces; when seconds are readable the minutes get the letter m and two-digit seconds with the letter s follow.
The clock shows 10h19
